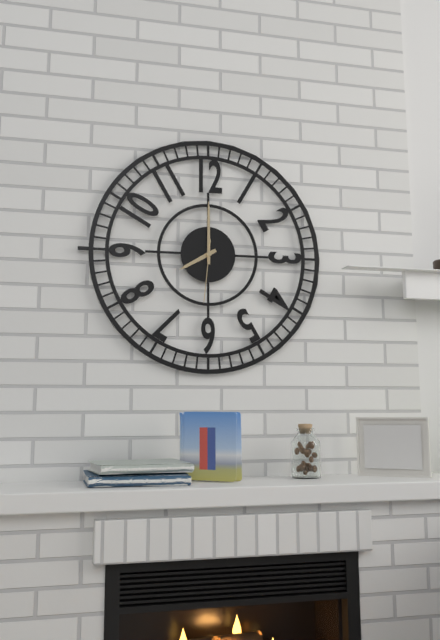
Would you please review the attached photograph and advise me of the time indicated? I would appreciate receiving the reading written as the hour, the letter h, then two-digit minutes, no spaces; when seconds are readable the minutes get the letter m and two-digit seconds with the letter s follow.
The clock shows 8h00m31s
